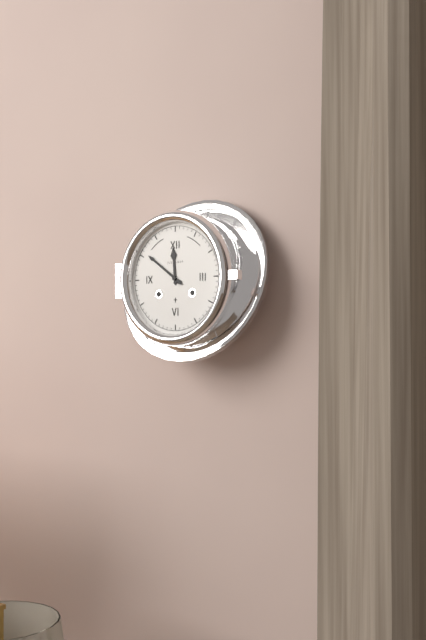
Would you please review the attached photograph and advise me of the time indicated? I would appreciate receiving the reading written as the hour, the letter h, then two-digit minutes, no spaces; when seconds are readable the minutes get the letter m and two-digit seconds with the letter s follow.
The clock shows 11h51
